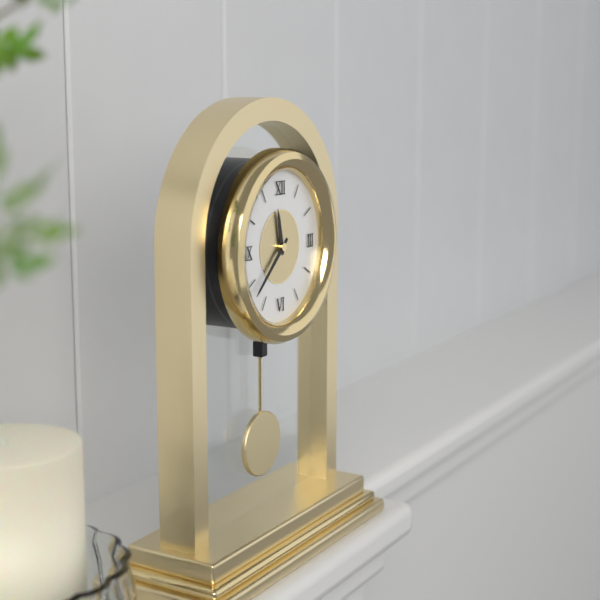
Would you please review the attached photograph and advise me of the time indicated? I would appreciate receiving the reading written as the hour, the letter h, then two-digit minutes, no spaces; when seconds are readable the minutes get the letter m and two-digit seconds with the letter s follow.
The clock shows 11h38
